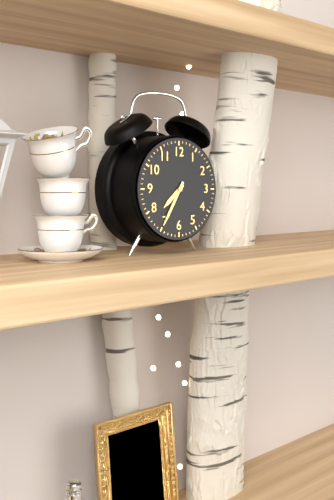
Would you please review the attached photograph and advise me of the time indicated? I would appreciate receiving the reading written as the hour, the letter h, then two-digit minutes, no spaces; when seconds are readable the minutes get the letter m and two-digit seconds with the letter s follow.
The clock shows 7h35
